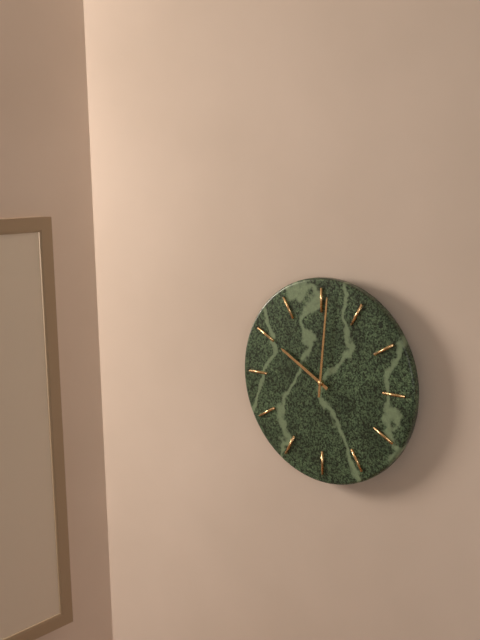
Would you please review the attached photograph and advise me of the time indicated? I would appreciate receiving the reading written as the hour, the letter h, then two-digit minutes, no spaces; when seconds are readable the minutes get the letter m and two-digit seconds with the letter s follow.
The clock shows 10h01
